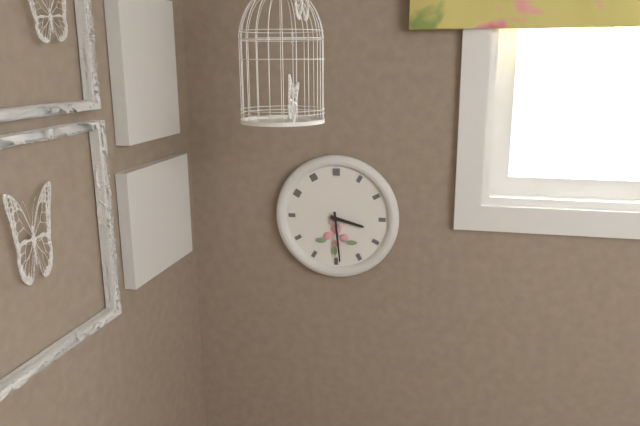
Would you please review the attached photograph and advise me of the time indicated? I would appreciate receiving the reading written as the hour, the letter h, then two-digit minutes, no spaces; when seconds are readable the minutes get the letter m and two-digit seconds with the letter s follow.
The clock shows 3h29
